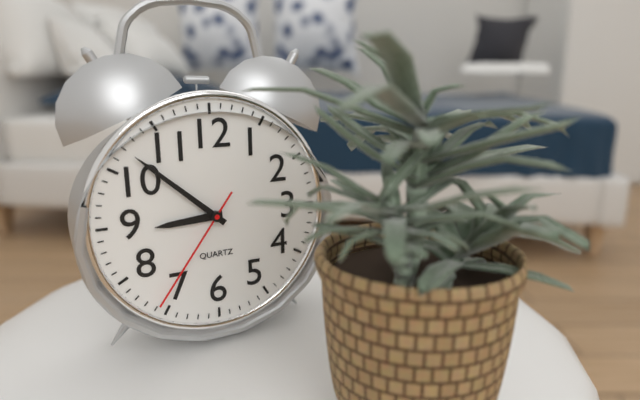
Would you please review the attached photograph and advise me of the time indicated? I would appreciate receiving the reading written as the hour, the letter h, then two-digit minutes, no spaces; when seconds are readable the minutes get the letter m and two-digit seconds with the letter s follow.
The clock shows 8h52m36s
